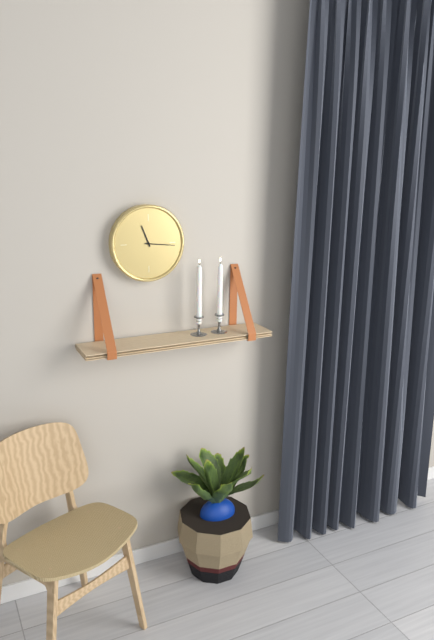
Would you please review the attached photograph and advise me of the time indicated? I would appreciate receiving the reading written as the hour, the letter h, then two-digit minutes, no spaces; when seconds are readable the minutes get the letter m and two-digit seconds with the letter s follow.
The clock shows 11h16
